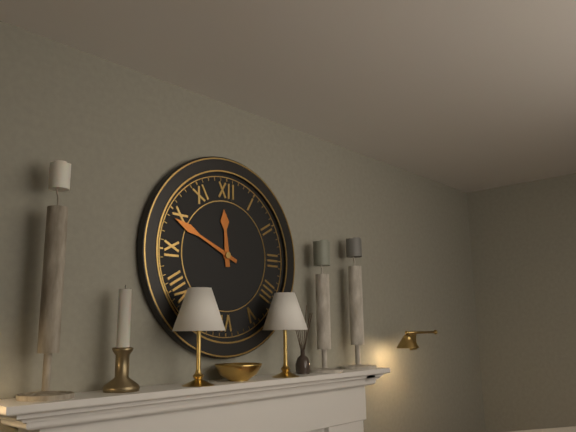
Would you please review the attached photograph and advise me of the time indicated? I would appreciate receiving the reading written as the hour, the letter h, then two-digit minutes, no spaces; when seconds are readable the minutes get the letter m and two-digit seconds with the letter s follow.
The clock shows 11h49
